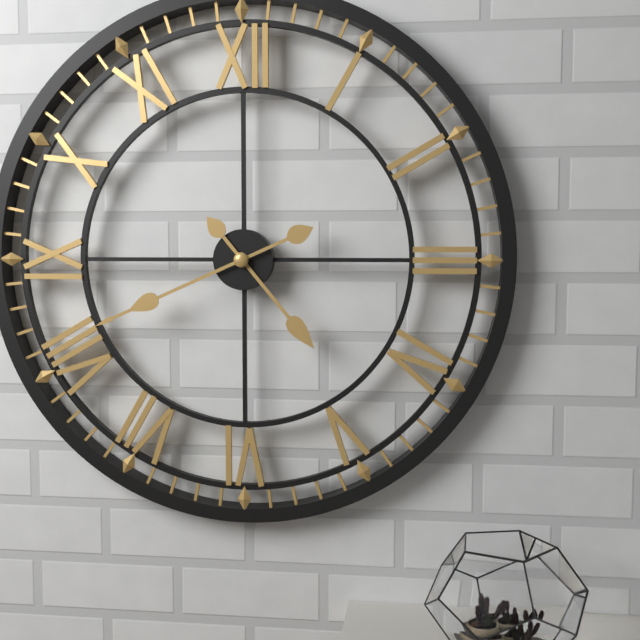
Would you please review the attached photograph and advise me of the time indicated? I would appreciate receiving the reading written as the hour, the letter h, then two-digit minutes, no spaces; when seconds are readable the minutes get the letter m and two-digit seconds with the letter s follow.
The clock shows 4h41
